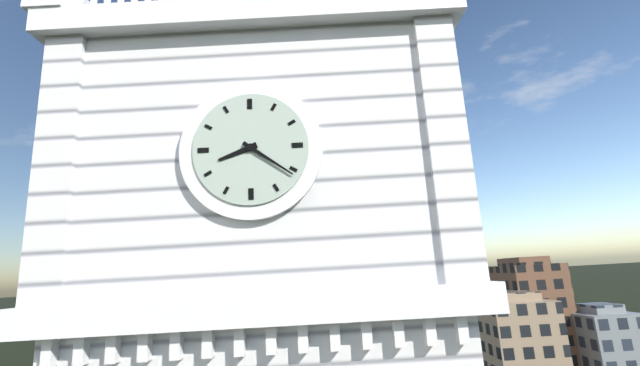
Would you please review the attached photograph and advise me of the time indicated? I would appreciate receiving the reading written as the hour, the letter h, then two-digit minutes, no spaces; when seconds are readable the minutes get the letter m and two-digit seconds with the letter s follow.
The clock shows 8h21
